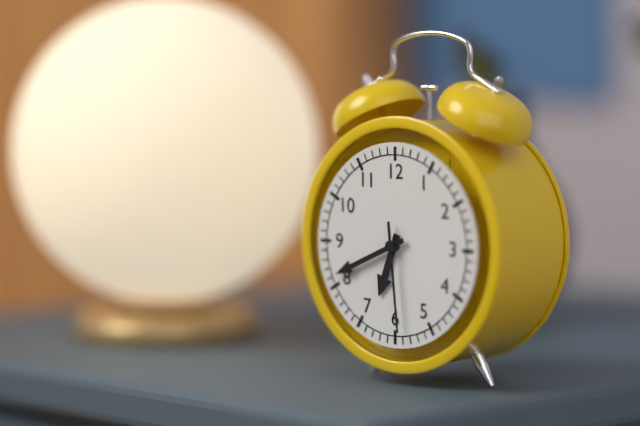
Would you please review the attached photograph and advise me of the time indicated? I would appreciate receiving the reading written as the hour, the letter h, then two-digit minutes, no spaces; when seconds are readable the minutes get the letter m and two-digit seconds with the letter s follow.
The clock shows 6h41m29s
